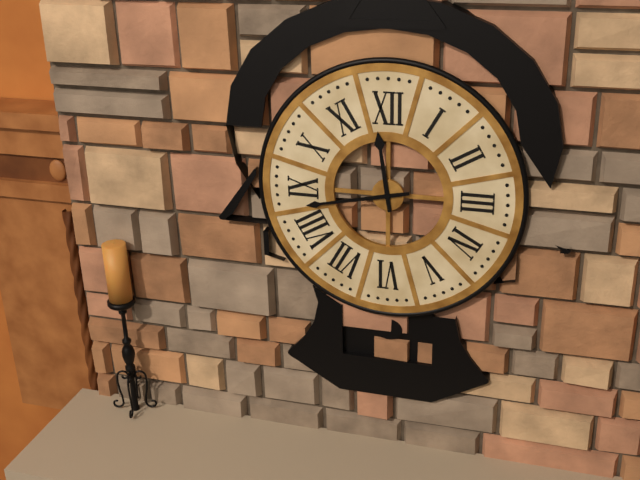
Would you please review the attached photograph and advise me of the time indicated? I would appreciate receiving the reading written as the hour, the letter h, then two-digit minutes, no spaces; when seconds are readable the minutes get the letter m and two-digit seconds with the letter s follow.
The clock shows 11h43
